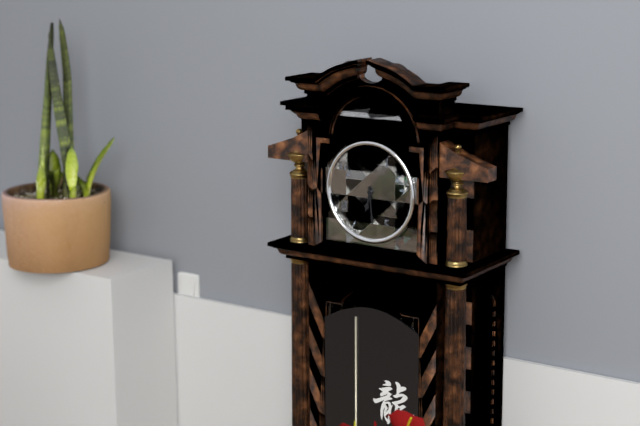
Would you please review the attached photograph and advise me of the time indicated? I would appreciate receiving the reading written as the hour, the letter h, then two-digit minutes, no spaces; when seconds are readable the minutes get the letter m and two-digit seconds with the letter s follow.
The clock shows 6h29
